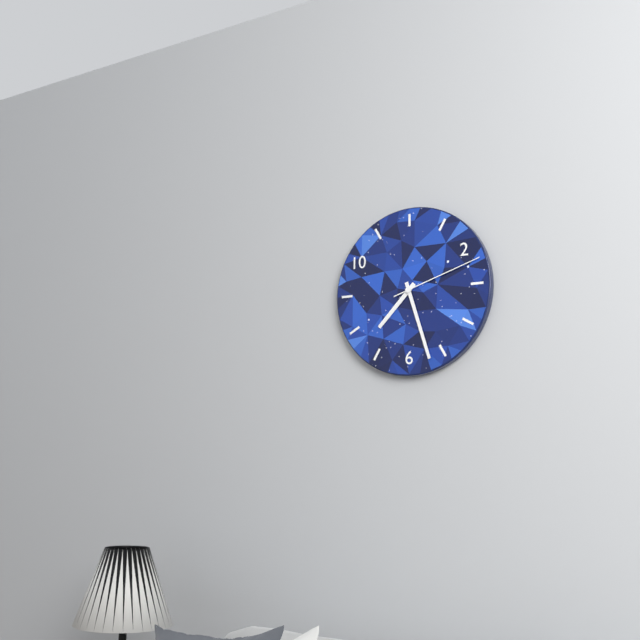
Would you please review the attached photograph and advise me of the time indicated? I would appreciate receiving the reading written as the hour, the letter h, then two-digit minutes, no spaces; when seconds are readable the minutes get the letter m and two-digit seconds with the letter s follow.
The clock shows 7h27m12s
